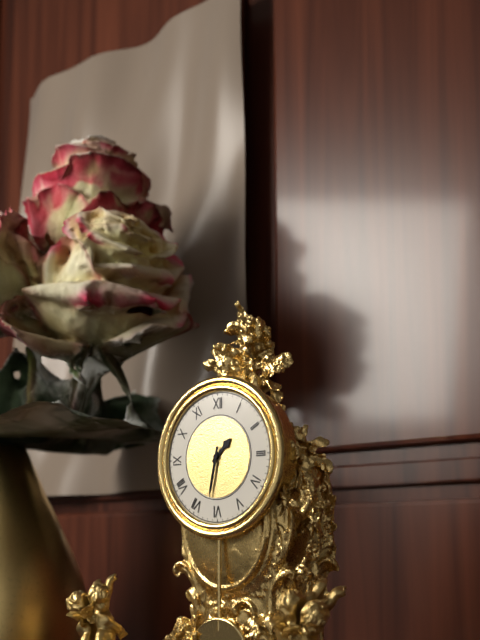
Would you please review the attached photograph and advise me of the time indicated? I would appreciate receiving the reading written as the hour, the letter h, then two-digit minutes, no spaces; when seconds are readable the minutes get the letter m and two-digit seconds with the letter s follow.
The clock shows 1h32
